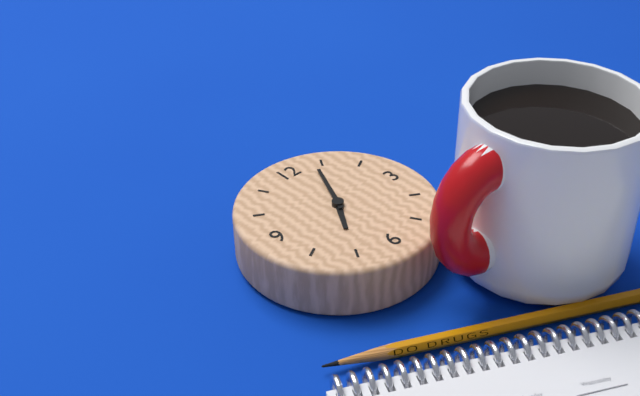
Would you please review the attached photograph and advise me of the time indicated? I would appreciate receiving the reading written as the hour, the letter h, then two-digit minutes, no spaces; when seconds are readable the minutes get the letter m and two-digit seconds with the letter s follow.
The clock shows 7h04
